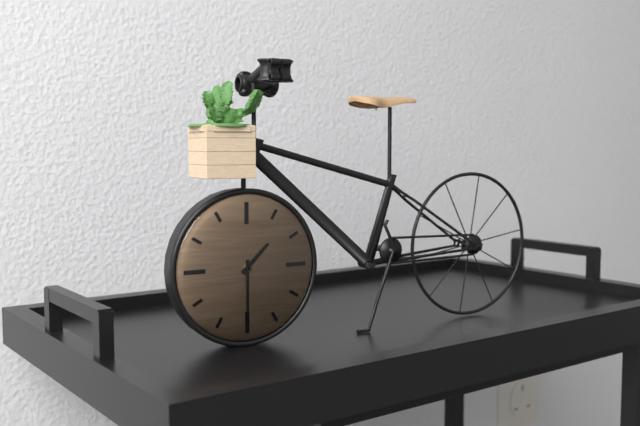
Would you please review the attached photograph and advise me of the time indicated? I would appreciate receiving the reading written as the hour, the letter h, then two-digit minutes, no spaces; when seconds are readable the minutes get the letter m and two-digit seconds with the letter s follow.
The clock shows 1h30
